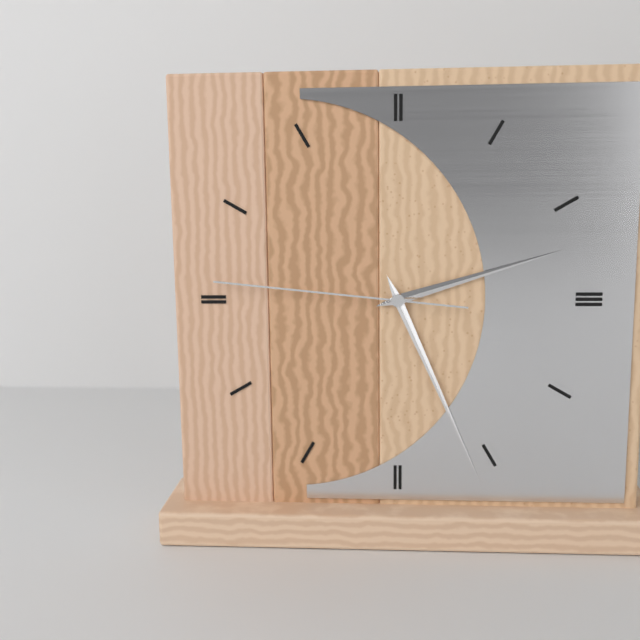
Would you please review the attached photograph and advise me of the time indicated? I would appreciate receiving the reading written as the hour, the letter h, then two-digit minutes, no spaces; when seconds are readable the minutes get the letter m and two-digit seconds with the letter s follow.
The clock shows 2h26m46s
